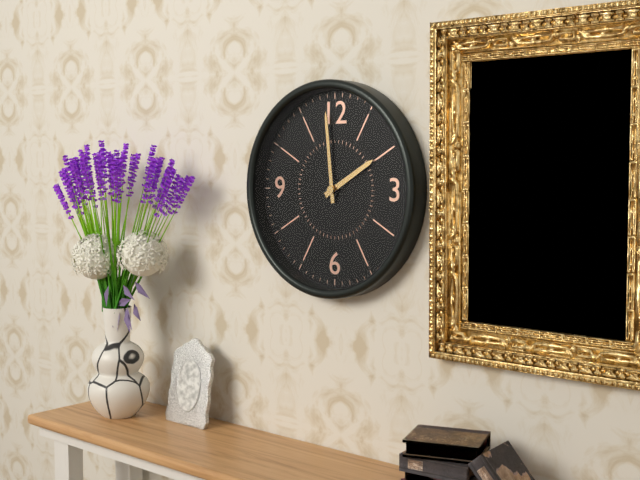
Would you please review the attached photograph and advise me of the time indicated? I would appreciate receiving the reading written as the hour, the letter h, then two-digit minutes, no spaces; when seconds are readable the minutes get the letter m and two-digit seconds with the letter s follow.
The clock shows 1h59
